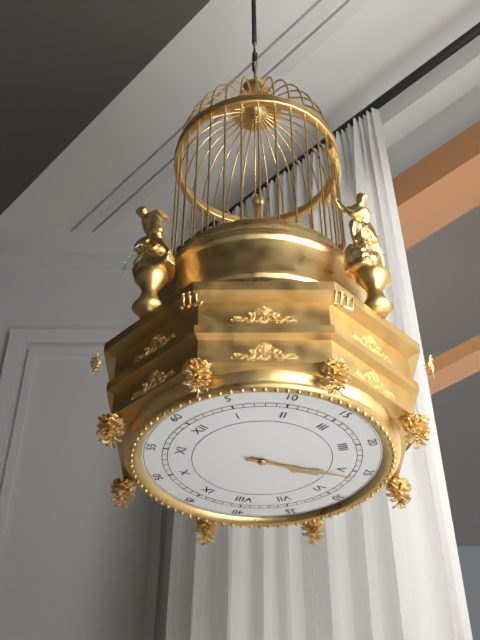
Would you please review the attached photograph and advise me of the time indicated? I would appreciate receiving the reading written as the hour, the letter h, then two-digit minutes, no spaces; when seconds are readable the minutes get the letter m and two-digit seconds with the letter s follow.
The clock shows 5h26
